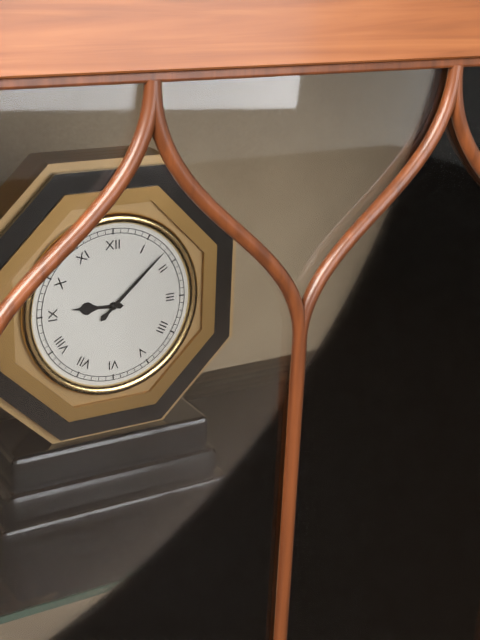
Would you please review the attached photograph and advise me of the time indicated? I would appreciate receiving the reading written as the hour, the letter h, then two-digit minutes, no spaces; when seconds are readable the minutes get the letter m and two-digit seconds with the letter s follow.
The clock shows 9h08
